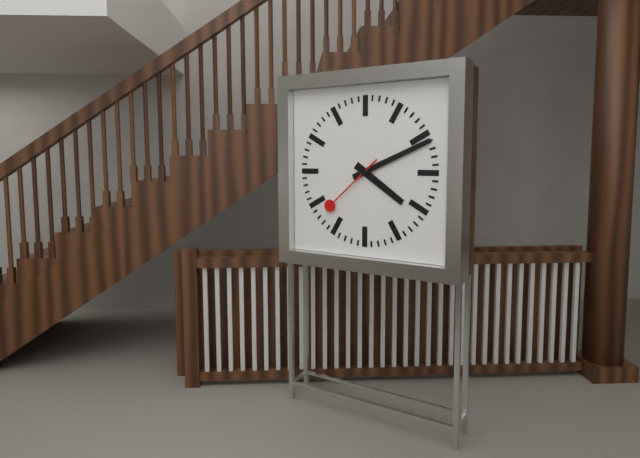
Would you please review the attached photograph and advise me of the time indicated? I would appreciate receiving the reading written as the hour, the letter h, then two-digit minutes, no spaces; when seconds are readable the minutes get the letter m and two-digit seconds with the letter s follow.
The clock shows 4h11m38s
